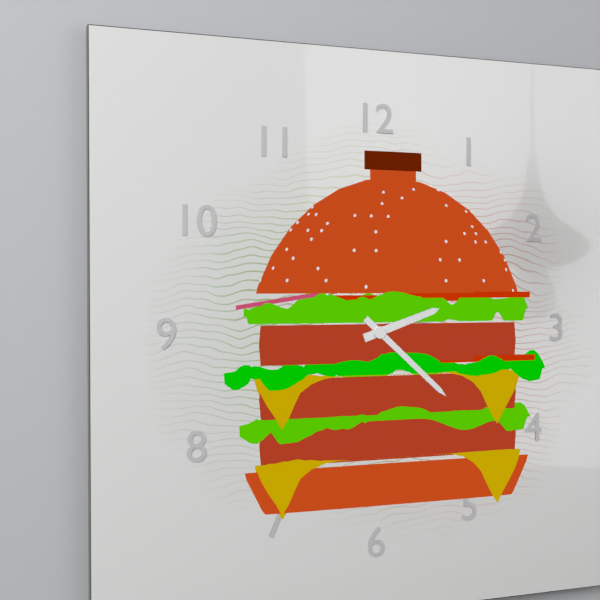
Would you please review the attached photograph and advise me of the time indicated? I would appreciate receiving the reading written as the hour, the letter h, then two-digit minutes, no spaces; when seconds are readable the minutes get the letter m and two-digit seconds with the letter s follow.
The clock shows 2h22
